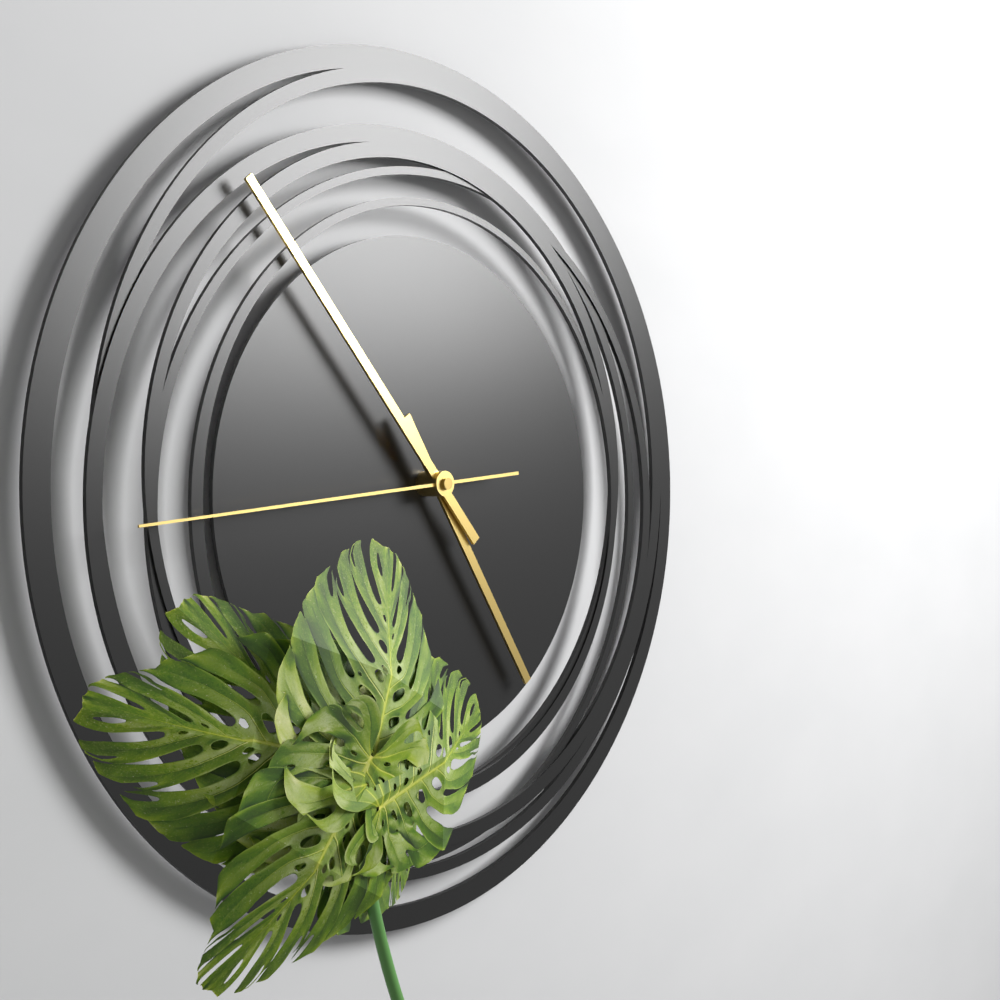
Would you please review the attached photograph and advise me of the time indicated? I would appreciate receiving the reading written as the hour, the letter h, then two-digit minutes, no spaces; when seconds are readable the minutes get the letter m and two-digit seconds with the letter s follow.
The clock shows 4h53m44s
